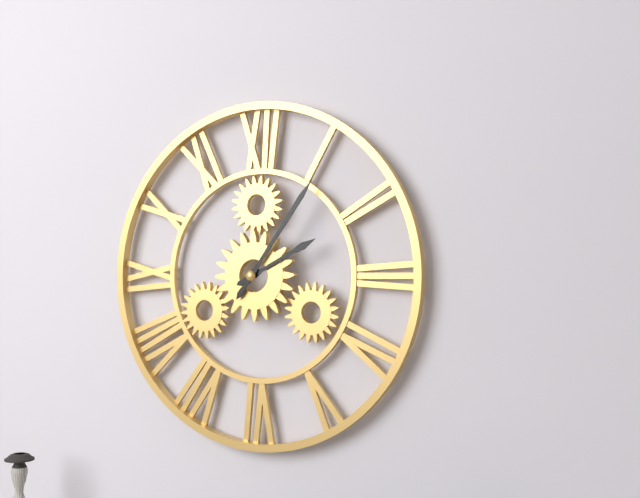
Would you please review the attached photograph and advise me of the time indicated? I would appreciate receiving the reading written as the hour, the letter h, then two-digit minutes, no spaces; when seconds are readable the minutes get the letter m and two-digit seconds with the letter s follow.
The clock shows 2h06
